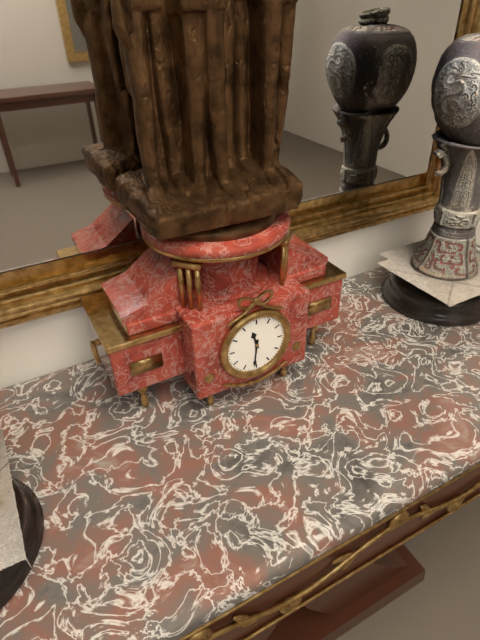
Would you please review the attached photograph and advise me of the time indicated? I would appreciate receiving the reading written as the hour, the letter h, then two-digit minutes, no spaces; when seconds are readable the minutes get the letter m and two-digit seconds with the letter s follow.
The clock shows 11h31
